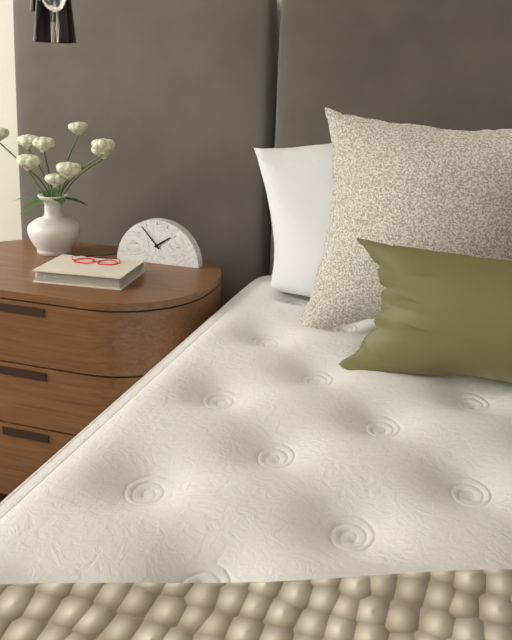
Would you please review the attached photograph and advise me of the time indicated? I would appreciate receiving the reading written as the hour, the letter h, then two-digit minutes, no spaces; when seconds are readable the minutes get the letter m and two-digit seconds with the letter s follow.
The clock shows 1h53
